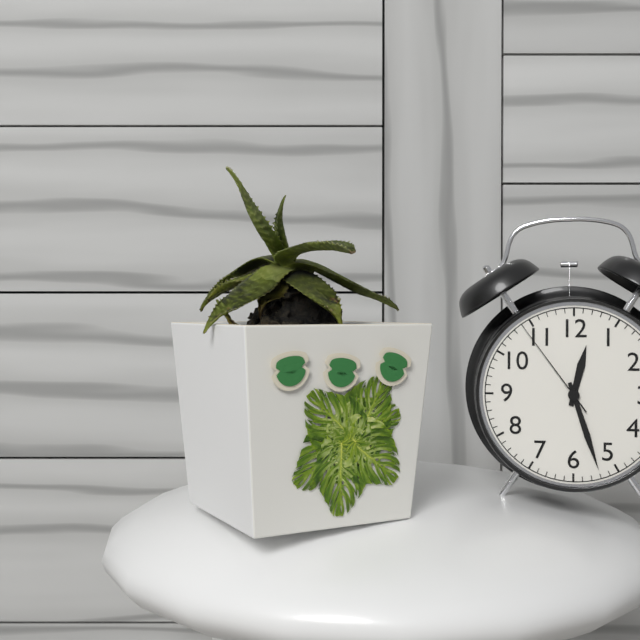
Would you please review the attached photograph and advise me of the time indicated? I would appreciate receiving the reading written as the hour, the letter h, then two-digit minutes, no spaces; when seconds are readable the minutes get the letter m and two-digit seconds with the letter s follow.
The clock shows 12h27m54s
